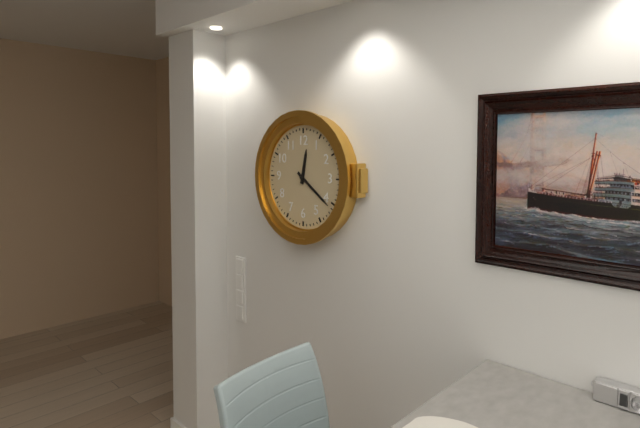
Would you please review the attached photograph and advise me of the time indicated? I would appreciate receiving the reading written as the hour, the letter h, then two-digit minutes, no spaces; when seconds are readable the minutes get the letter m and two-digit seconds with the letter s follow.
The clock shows 12h21
